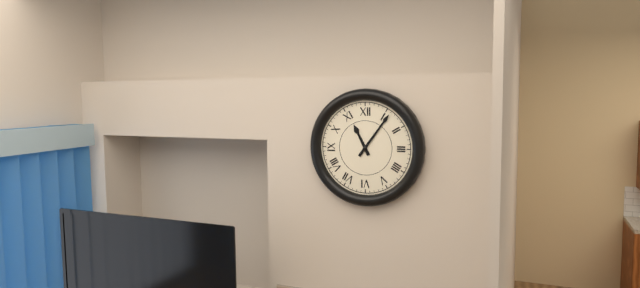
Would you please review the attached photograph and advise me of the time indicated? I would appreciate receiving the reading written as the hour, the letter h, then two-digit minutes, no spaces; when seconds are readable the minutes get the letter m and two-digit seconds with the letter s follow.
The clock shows 11h06
